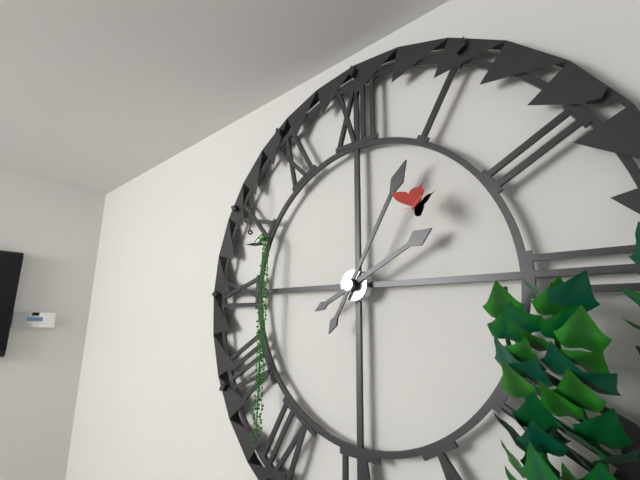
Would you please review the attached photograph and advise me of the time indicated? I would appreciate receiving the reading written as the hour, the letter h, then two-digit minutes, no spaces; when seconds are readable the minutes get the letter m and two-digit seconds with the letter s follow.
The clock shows 2h05
